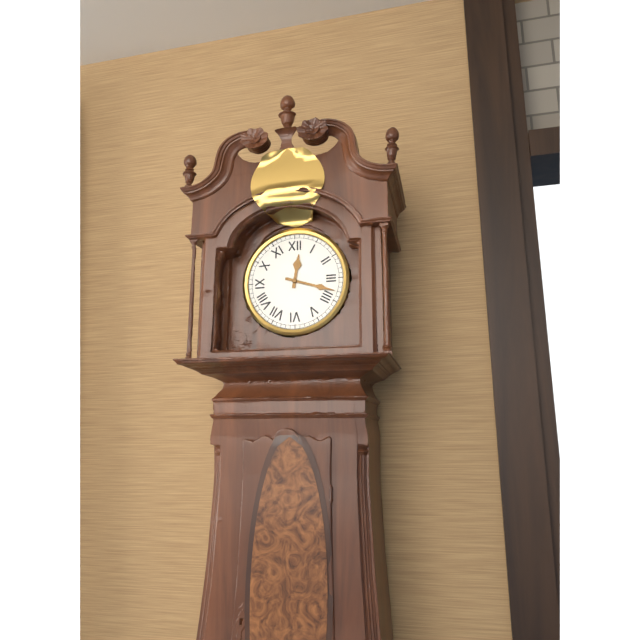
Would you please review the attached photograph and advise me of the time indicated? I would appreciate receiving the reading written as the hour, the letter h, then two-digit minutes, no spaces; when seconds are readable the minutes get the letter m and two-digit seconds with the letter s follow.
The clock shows 12h18
